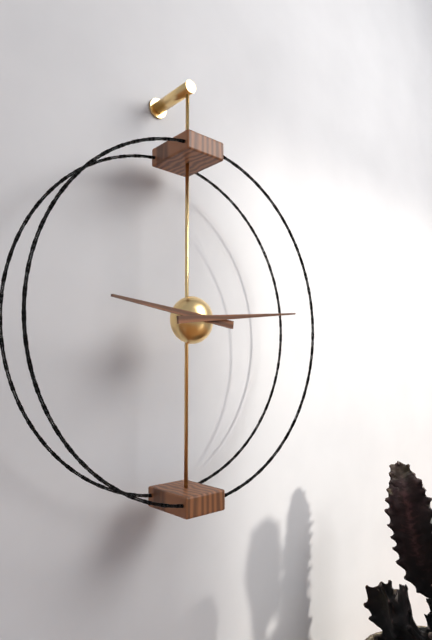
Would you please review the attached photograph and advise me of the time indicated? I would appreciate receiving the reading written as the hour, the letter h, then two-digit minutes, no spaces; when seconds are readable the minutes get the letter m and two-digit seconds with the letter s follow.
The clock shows 9h14
